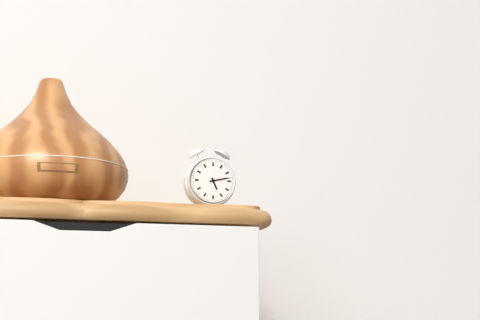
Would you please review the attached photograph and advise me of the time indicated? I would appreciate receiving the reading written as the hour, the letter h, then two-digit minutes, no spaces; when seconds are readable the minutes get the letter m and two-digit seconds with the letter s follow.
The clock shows 5h13
